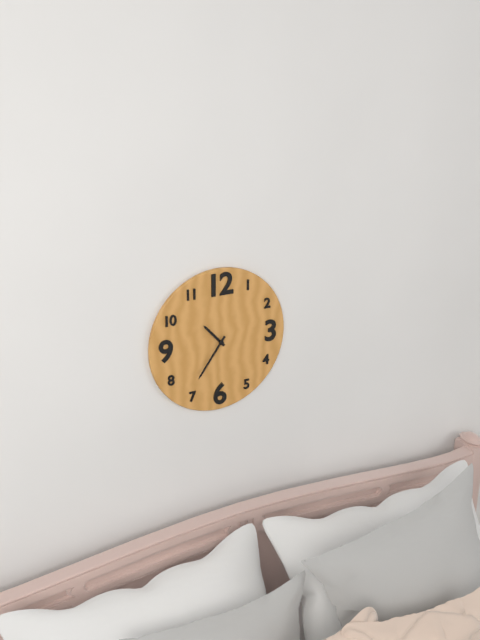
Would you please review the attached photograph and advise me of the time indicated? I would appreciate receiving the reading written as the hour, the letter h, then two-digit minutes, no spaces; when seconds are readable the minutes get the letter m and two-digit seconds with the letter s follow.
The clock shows 10h36
